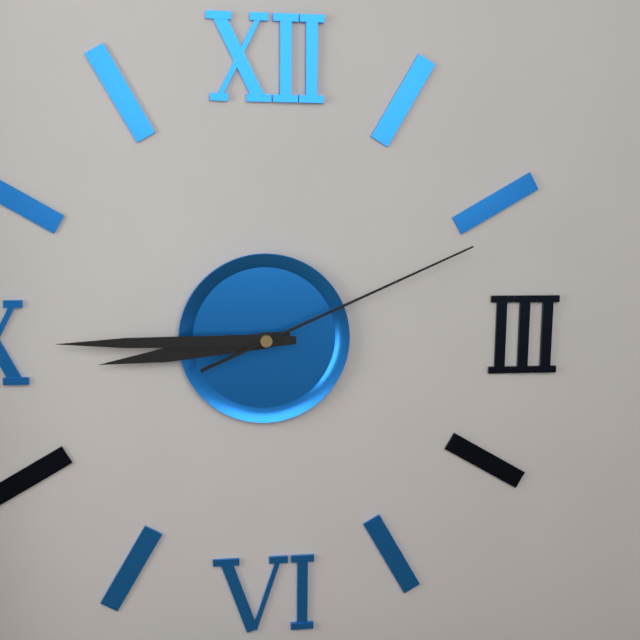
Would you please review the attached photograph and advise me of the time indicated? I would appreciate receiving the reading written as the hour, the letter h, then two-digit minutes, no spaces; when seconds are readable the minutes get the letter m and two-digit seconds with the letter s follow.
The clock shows 8h45m11s
